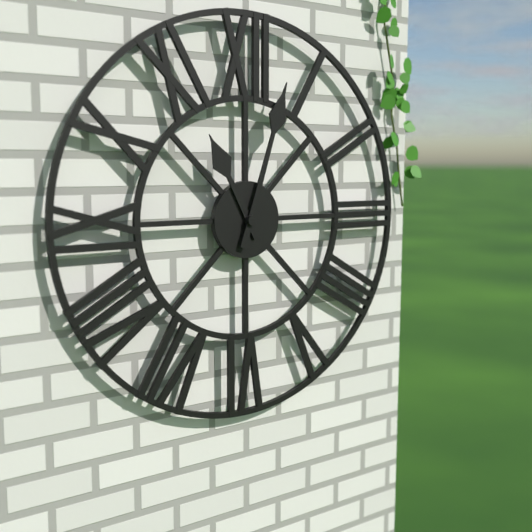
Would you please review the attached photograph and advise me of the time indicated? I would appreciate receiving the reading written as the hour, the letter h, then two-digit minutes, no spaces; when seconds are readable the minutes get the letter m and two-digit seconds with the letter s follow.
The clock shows 11h03
